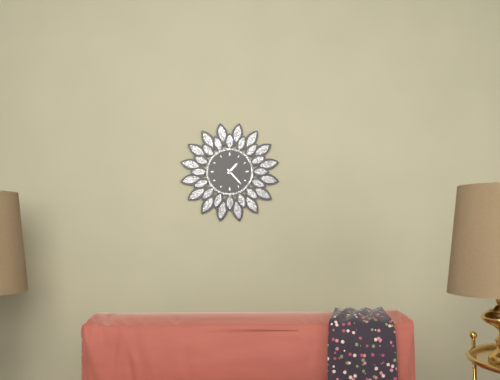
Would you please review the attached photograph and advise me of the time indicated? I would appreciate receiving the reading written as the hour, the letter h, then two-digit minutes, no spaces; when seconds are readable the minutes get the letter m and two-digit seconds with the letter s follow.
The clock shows 1h23
